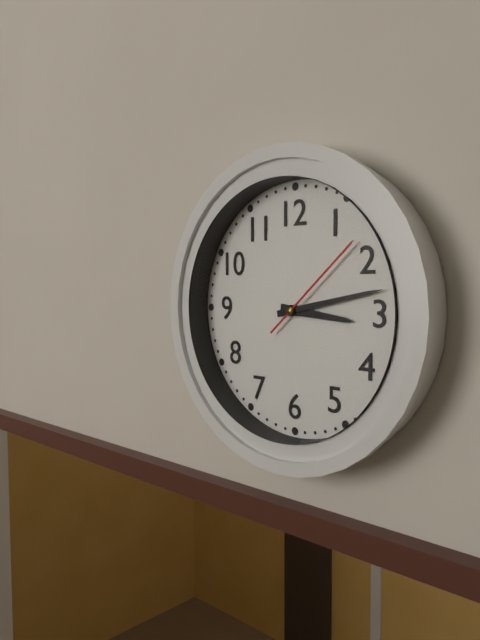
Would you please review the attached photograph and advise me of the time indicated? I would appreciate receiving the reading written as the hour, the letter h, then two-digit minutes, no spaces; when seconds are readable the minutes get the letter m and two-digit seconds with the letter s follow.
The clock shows 3h13m08s
